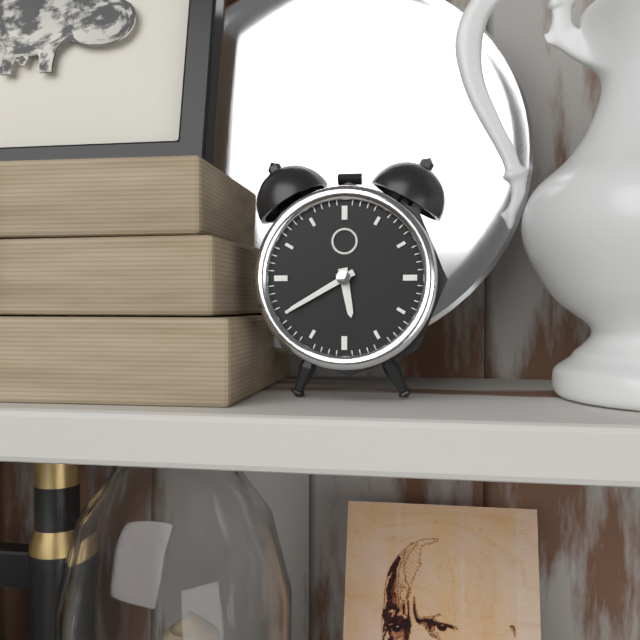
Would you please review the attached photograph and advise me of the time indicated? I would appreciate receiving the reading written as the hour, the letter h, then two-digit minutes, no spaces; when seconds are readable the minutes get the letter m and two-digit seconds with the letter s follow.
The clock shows 5h40
